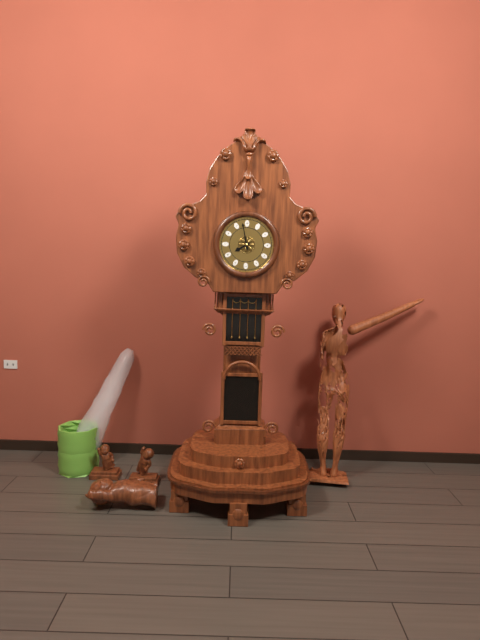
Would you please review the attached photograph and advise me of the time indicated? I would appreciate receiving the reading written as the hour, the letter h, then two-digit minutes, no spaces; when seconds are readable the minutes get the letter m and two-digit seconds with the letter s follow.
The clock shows 7h58
